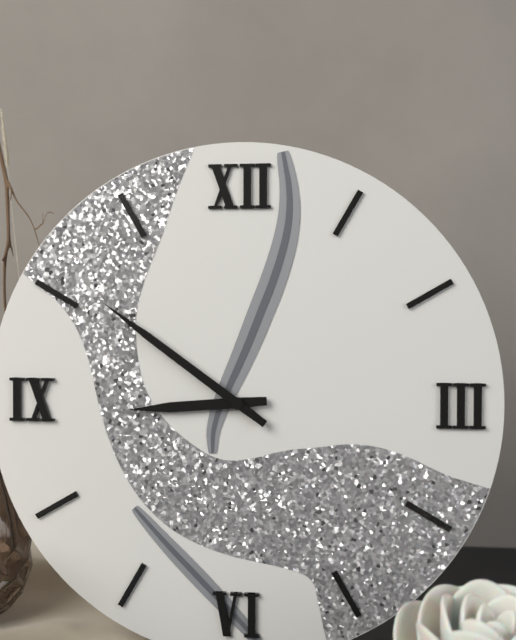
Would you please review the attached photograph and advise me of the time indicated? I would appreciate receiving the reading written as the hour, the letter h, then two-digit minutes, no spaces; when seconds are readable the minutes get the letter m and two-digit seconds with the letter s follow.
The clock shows 8h51
